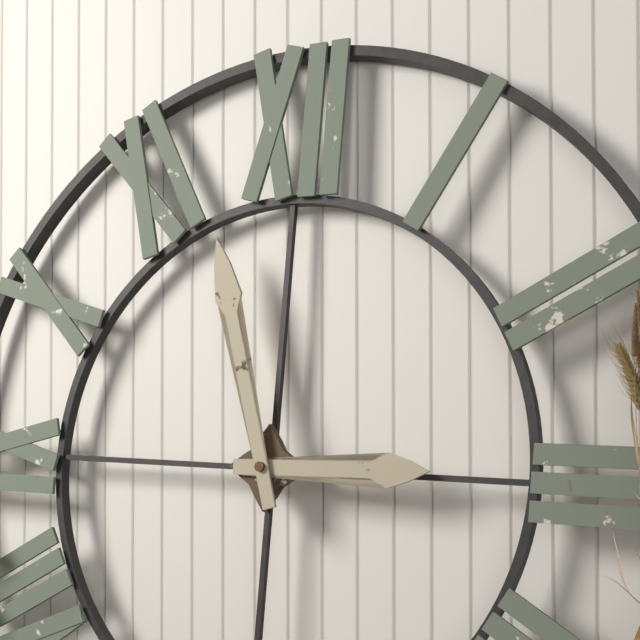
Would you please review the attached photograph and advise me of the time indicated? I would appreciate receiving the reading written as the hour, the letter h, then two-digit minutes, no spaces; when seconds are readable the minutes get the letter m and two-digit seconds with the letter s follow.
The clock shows 2h57
